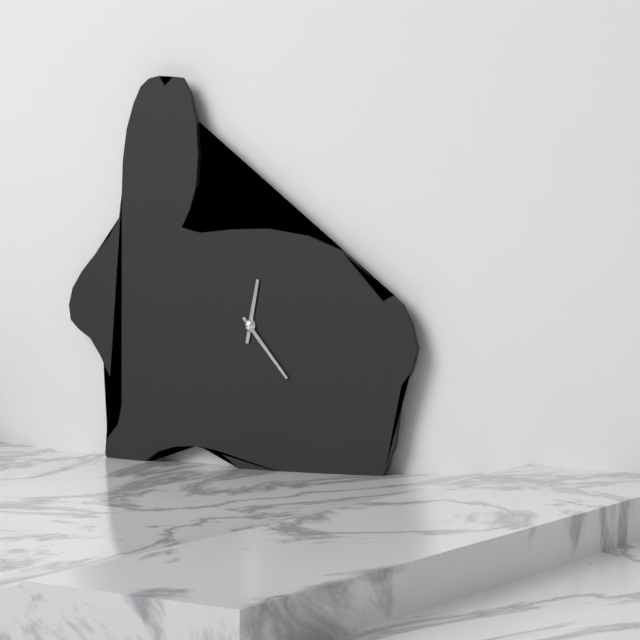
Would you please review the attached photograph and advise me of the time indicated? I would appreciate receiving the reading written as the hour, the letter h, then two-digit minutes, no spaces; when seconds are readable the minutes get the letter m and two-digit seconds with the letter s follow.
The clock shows 12h23
